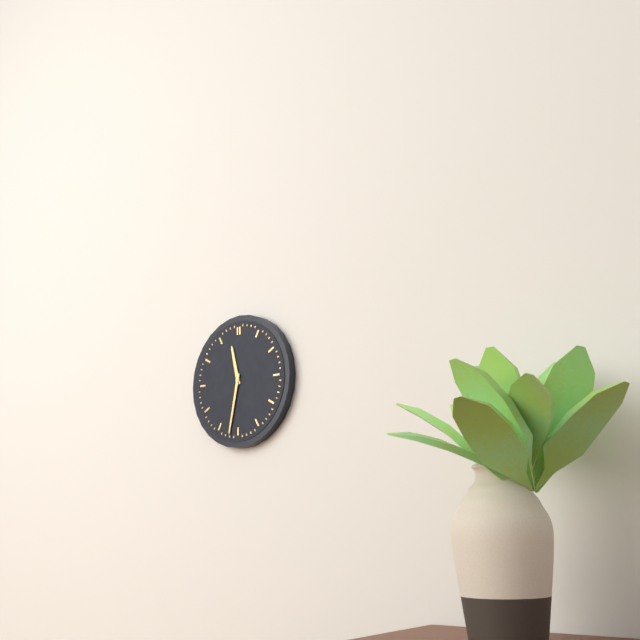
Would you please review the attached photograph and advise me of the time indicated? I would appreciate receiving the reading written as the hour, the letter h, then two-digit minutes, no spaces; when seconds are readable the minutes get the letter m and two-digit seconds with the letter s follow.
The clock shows 11h32
